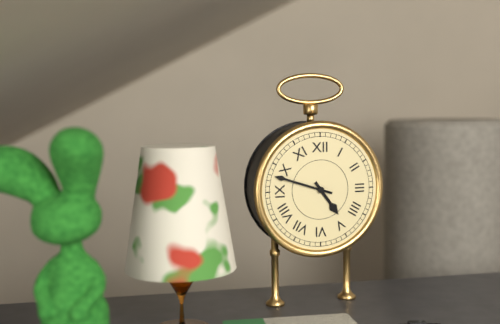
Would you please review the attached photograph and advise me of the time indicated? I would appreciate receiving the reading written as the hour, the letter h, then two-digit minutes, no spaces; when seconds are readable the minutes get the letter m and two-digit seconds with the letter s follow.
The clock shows 4h48
